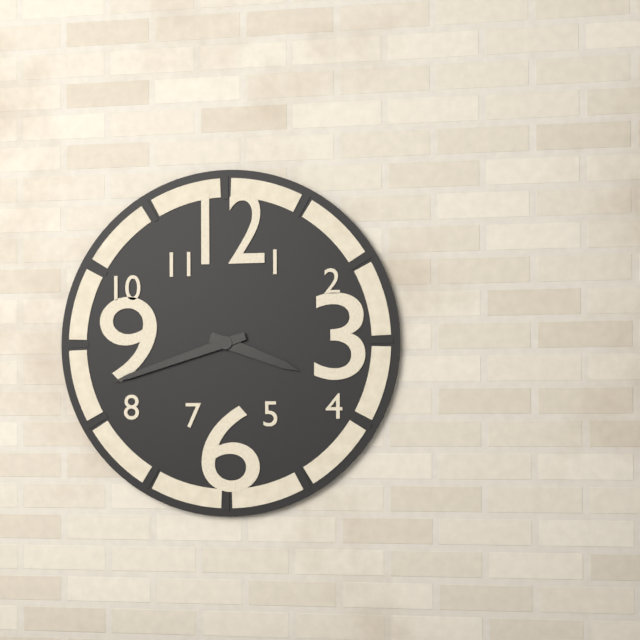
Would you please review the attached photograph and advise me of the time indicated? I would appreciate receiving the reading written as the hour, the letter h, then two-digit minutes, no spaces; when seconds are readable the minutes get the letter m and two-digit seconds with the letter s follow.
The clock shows 3h42
